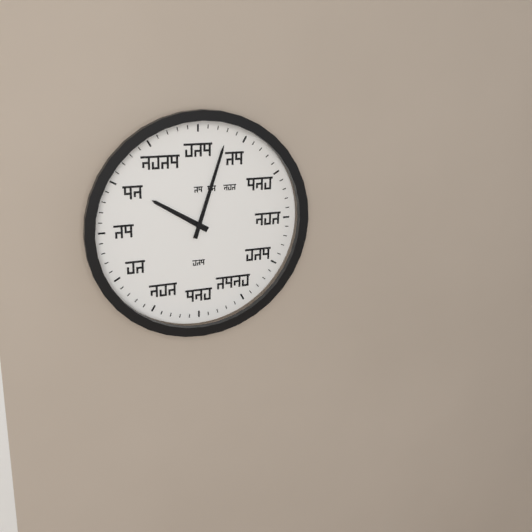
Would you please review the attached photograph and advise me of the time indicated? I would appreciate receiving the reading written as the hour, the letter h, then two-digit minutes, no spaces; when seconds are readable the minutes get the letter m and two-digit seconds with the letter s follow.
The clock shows 10h03
